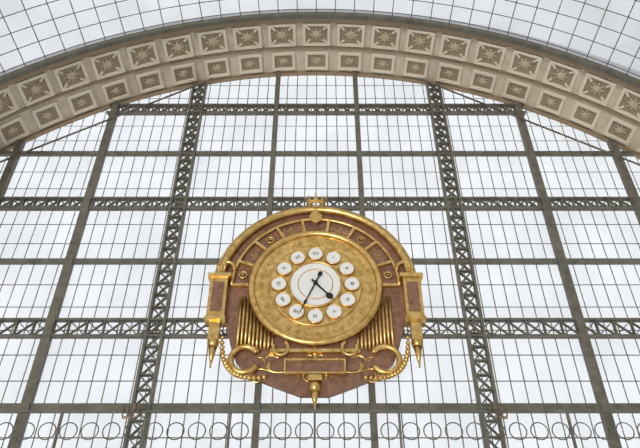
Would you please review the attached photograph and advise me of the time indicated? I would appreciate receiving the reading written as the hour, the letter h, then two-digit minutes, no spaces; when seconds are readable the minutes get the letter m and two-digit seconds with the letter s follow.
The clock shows 4h34
